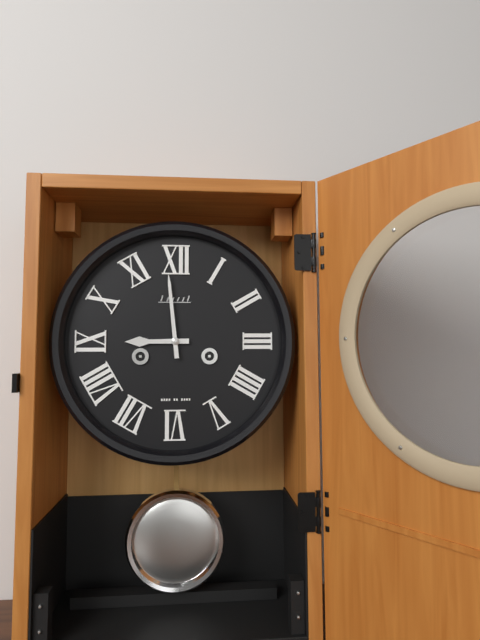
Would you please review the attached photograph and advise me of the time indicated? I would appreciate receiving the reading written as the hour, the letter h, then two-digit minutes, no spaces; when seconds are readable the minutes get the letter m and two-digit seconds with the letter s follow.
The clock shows 8h59
